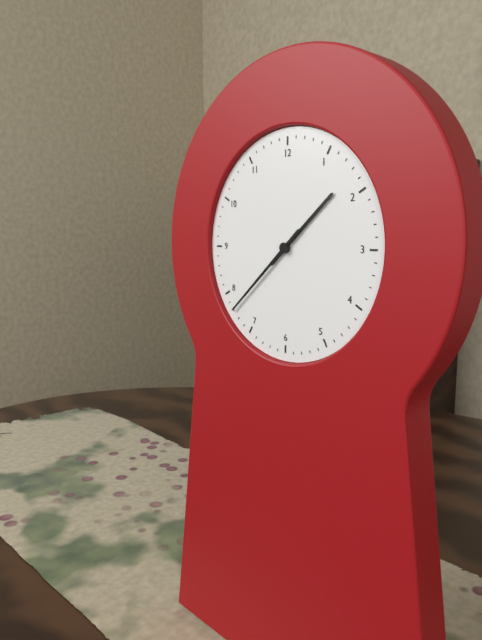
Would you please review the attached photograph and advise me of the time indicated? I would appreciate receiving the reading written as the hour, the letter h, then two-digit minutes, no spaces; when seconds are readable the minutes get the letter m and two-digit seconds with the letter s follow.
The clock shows 1h38
